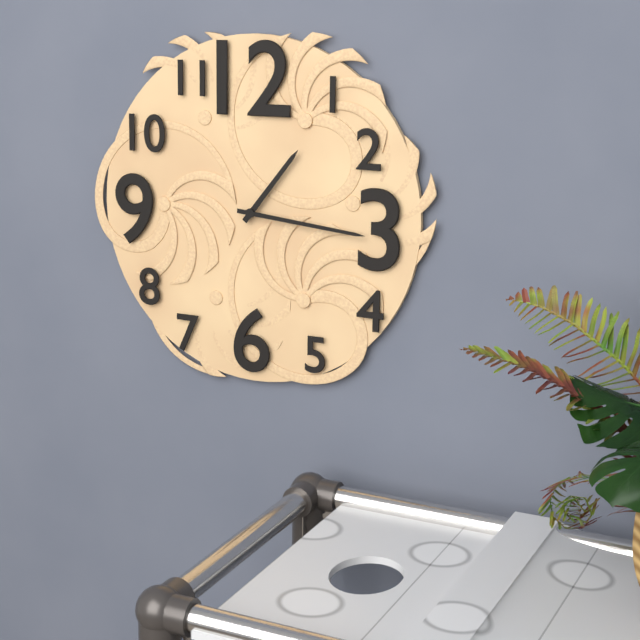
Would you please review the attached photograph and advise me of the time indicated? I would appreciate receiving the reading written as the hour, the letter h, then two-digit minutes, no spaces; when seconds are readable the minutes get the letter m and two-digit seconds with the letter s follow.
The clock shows 1h16
